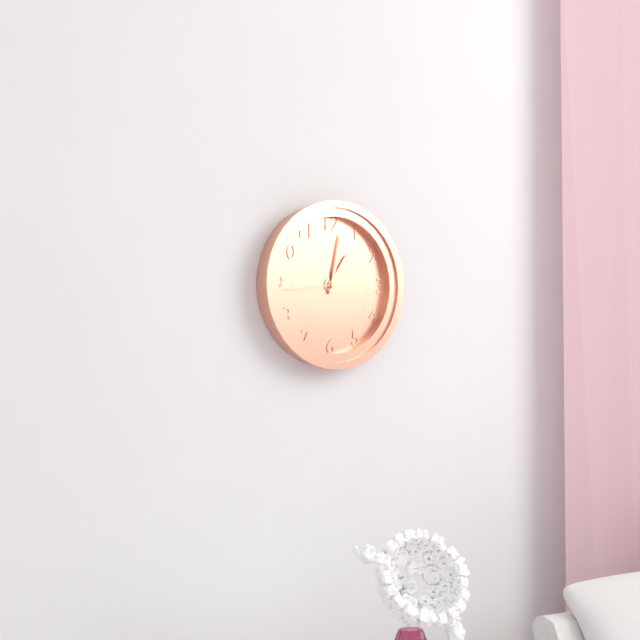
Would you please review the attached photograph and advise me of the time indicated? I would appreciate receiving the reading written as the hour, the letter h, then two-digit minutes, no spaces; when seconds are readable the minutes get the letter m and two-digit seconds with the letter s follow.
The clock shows 1h02m44s
